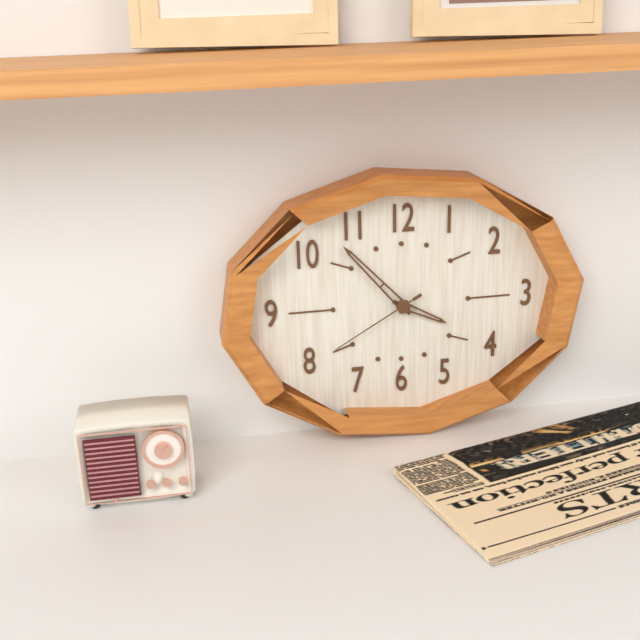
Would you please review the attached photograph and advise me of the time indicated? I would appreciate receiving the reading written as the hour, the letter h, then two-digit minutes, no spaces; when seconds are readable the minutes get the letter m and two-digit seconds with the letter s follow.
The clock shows 3h53m40s
